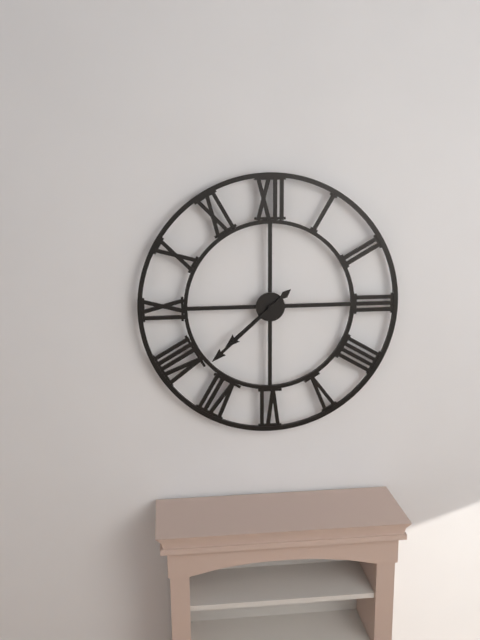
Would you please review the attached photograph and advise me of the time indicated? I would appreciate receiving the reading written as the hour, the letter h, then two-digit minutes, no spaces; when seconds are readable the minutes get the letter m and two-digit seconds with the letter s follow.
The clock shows 7h38
